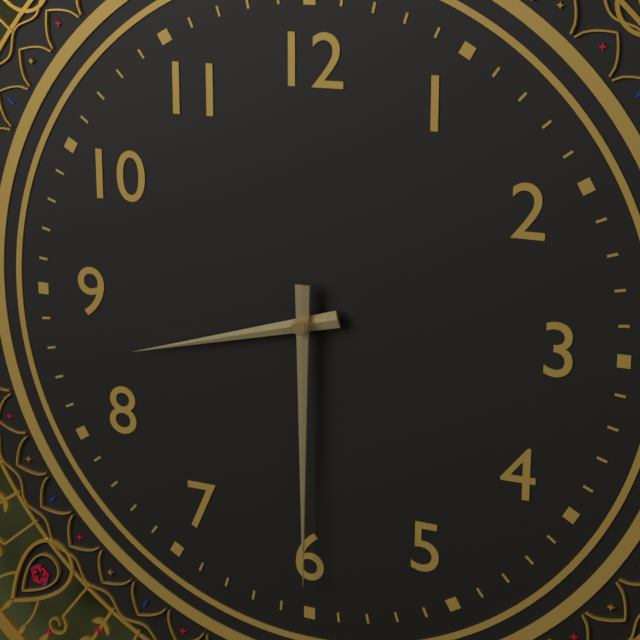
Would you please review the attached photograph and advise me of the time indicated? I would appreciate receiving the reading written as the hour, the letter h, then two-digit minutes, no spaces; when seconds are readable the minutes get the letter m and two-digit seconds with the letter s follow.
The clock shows 8h30
